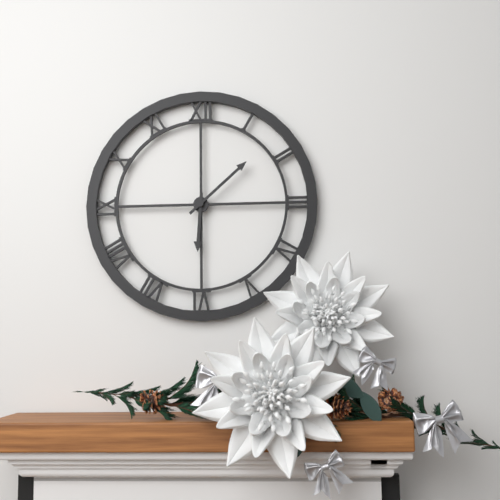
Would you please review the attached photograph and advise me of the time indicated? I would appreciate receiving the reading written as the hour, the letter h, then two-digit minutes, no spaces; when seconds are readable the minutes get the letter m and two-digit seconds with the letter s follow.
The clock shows 6h08
